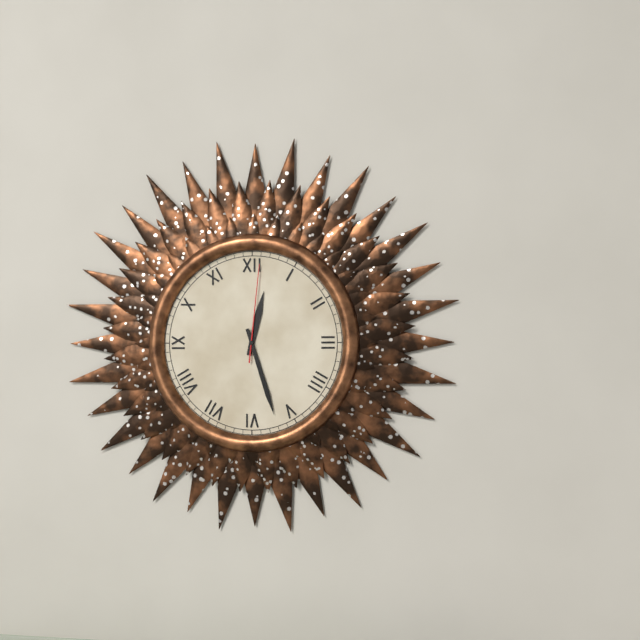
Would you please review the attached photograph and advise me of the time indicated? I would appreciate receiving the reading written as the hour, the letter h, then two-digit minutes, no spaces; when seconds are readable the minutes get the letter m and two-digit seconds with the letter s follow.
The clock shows 12h27m01s
